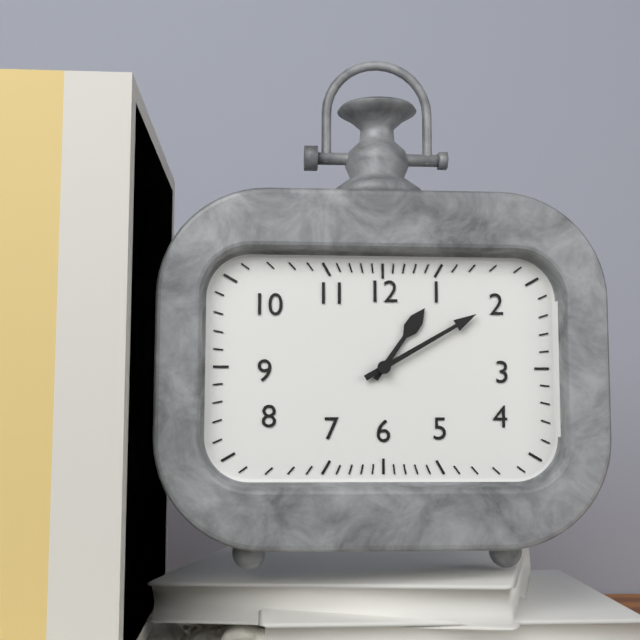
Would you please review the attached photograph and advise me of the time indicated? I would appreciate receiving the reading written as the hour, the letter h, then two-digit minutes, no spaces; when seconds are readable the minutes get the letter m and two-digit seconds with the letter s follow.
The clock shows 1h10
